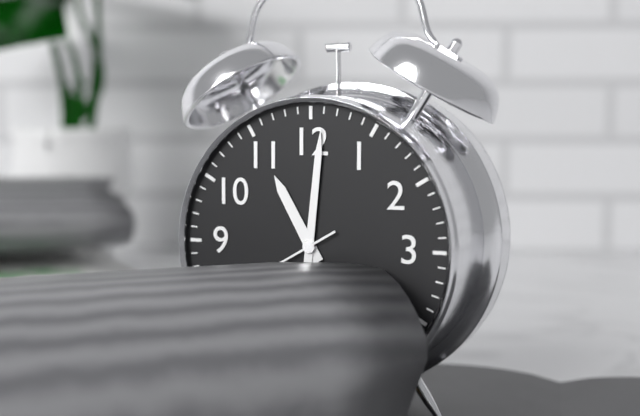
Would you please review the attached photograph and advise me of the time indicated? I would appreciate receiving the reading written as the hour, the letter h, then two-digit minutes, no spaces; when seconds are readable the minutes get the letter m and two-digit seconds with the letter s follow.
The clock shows 11h01
